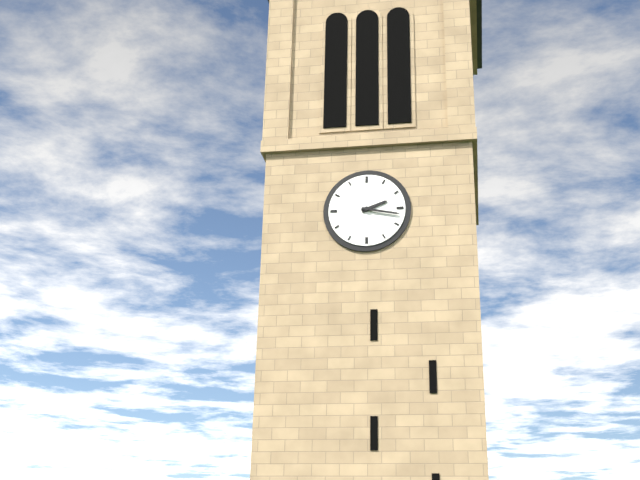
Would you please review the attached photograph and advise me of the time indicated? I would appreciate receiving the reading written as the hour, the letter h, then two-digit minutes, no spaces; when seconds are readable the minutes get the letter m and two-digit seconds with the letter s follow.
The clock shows 2h17
